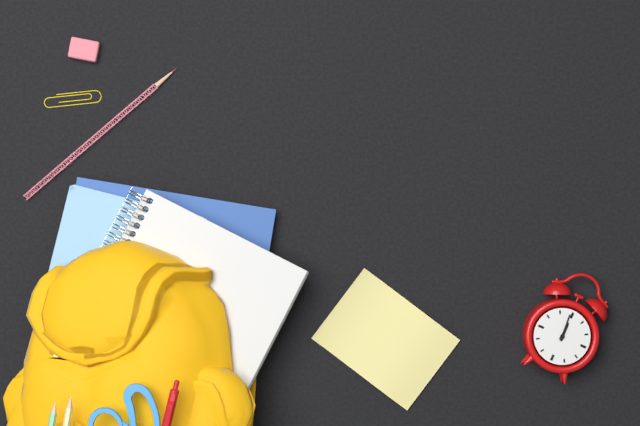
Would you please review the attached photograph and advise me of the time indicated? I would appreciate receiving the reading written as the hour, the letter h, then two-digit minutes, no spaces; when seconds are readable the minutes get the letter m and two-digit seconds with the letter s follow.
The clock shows 11h59
